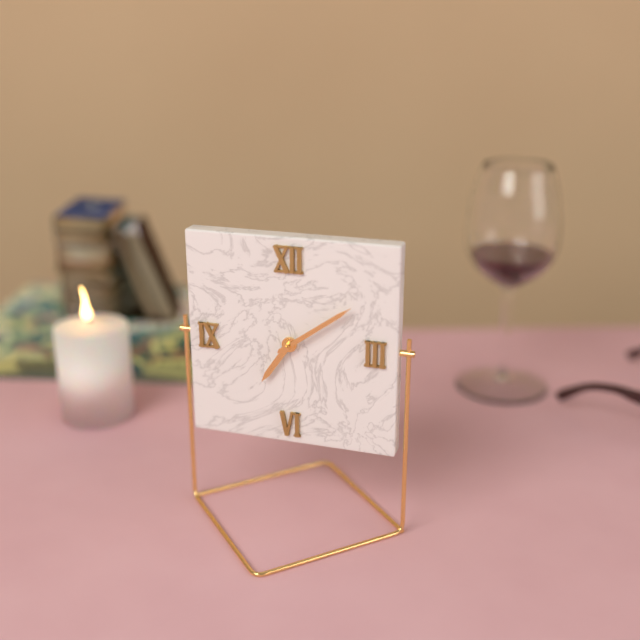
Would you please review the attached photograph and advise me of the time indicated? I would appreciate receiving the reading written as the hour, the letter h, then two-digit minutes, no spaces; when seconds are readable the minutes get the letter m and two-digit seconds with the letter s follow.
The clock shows 7h09
